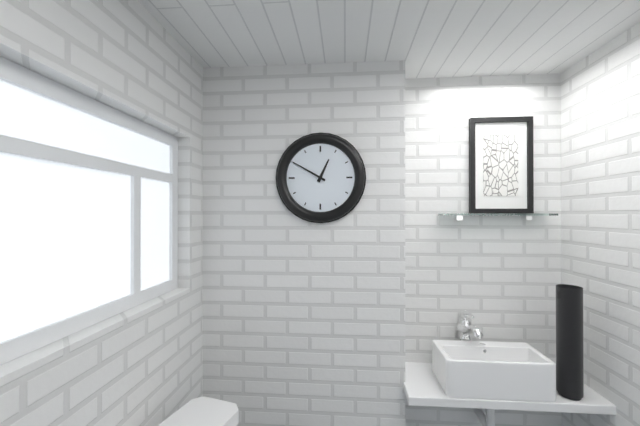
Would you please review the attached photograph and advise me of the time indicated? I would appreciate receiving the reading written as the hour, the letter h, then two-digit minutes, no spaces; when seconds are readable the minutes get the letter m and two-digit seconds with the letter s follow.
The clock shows 12h50
